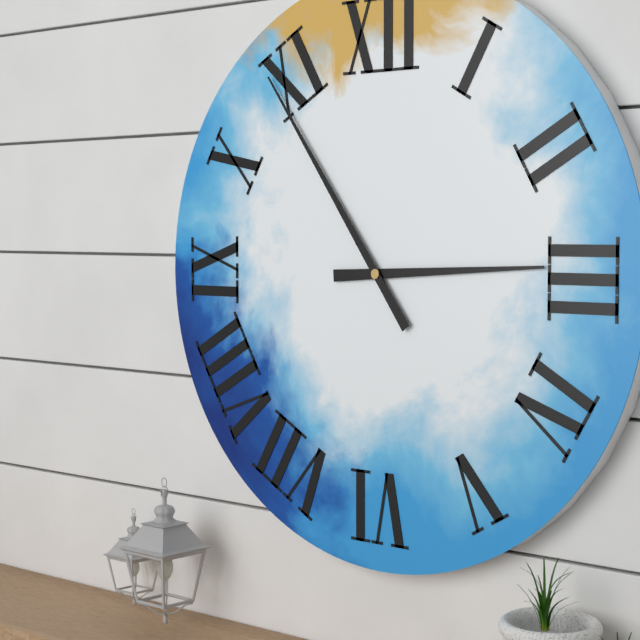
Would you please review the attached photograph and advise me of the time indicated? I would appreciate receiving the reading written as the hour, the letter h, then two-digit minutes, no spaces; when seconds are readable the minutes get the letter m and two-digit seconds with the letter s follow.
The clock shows 2h54
